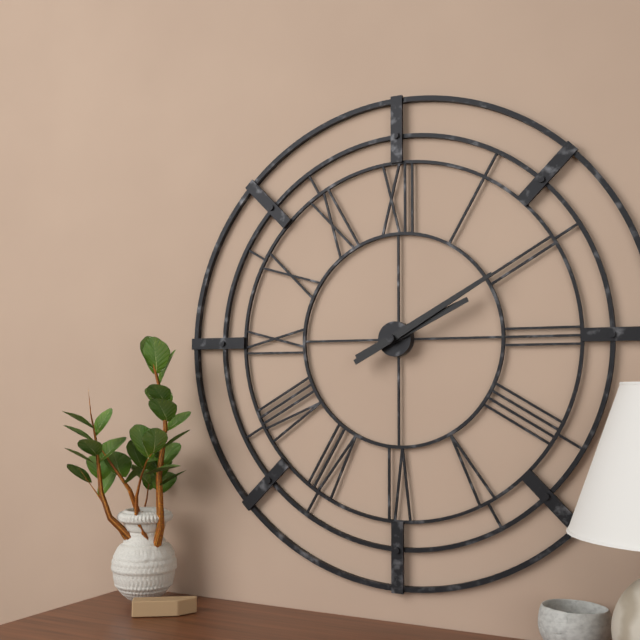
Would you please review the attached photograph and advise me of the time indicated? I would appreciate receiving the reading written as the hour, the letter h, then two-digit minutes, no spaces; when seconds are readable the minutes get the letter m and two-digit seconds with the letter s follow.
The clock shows 2h10
